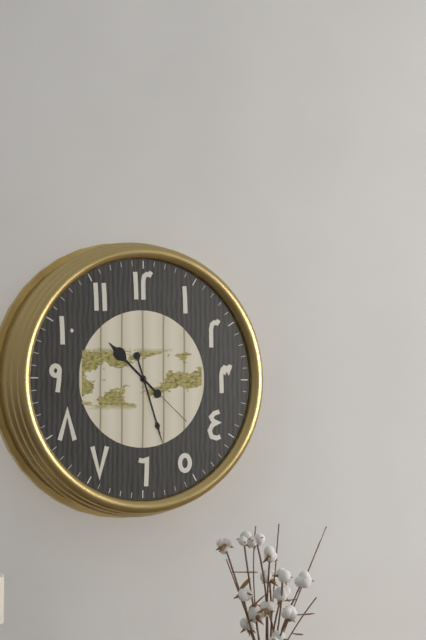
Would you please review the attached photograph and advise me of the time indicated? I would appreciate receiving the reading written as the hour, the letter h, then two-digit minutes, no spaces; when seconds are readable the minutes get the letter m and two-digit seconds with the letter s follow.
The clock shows 10h27m22s
